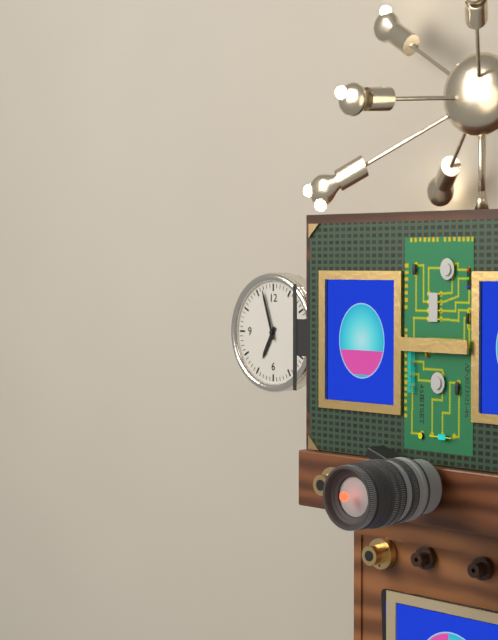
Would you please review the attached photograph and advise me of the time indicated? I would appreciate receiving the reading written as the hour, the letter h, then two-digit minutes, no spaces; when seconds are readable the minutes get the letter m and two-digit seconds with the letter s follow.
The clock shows 6h57
